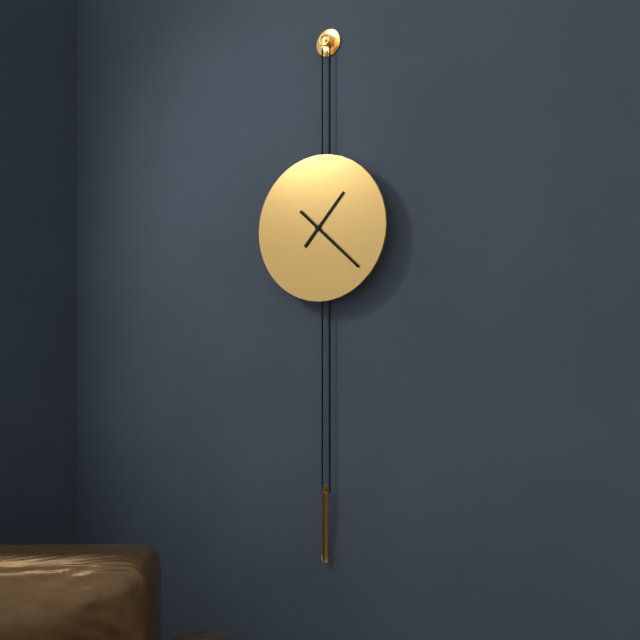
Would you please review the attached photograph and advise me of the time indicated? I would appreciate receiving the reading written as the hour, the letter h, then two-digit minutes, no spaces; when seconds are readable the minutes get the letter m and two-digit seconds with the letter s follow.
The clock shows 1h22
